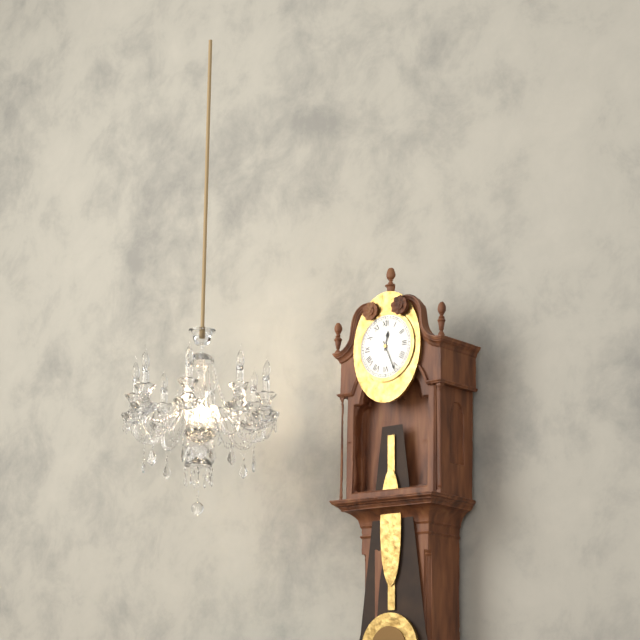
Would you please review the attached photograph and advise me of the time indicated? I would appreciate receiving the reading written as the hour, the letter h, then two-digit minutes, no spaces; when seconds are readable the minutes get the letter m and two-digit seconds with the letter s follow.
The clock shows 12h26
